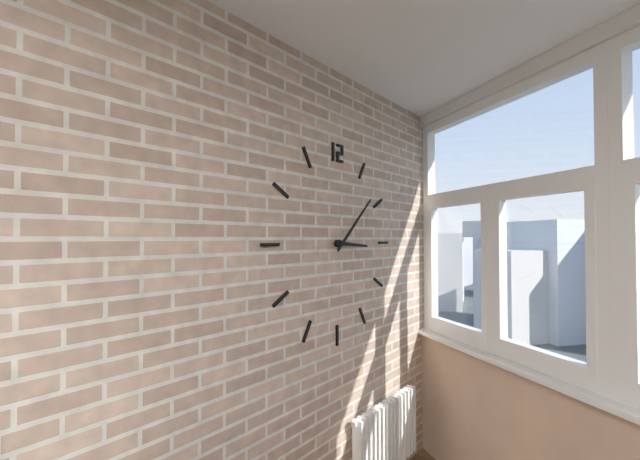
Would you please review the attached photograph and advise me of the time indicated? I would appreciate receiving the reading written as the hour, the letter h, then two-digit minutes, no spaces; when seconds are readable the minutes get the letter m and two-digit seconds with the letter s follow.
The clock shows 3h08
